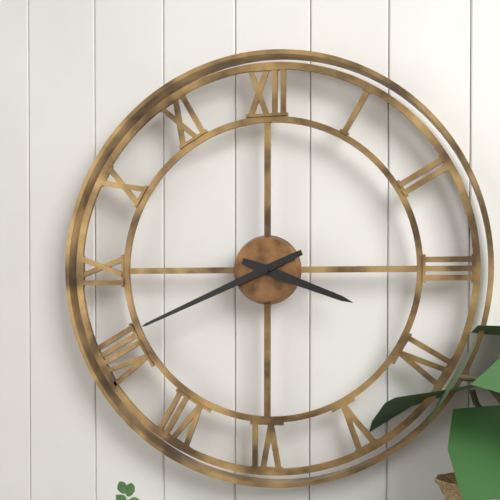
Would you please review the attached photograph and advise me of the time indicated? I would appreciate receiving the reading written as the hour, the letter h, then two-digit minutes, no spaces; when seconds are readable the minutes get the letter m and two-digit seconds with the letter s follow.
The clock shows 3h41
